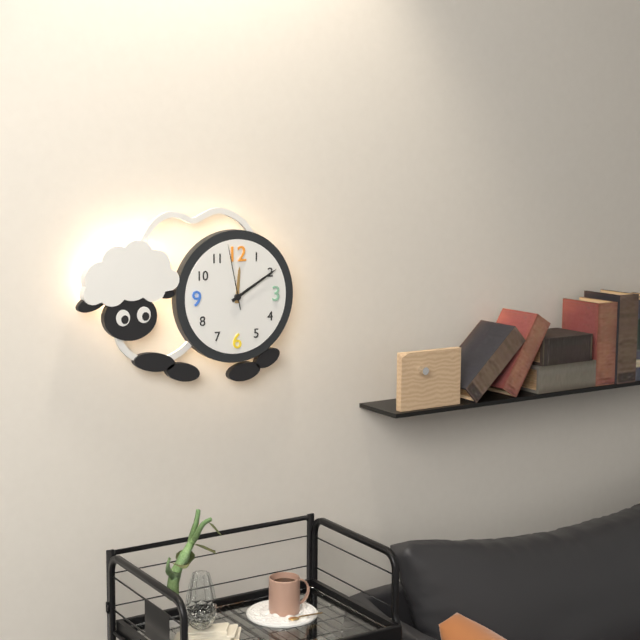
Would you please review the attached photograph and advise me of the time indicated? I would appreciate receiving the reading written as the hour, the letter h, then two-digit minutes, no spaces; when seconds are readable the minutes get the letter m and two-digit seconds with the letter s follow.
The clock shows 12h10m58s
